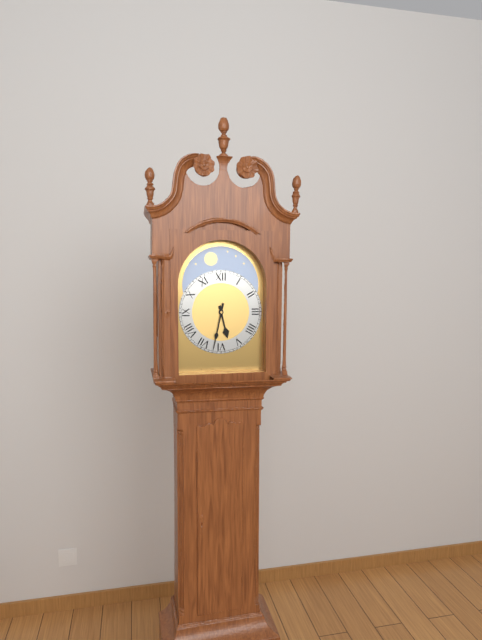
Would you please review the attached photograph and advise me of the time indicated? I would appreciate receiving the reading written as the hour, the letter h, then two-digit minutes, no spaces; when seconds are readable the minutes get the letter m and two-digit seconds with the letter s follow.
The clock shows 5h32
